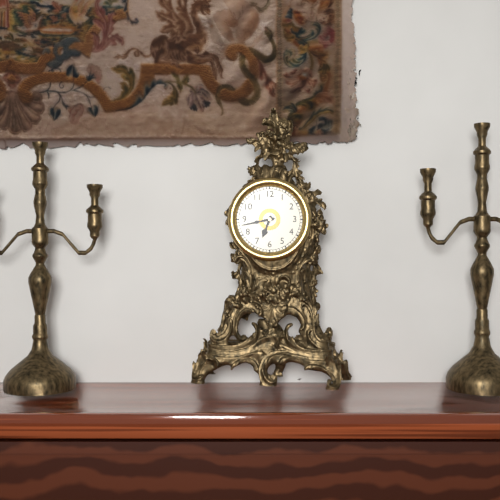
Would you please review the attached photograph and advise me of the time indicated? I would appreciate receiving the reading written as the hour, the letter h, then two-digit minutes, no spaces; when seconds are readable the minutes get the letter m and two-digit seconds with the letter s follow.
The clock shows 6h43
